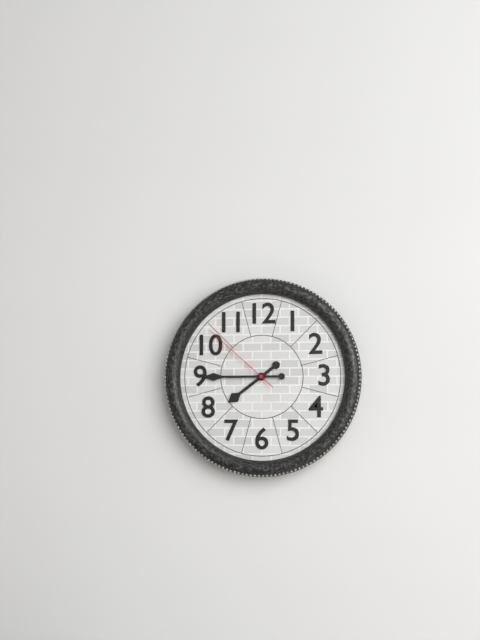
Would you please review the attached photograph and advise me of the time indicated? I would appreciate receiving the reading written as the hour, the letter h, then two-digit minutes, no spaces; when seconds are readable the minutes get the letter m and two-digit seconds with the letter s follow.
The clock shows 7h45m52s
